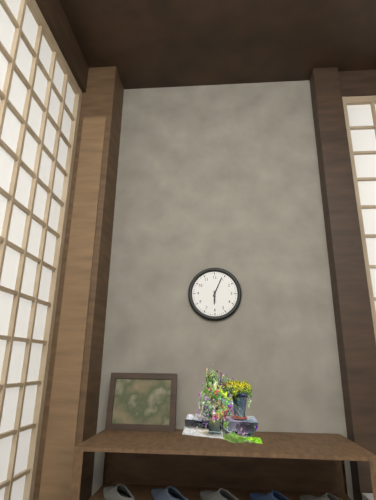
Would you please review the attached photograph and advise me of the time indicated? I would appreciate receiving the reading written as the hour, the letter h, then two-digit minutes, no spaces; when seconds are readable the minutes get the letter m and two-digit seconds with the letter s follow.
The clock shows 6h04
